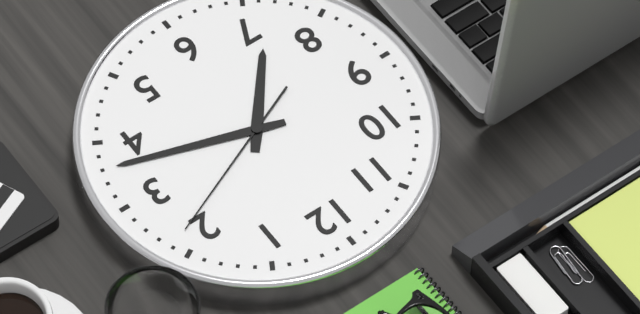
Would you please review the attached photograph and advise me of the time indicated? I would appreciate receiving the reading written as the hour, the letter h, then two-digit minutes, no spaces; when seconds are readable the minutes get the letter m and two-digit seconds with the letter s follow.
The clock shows 7h18m11s
